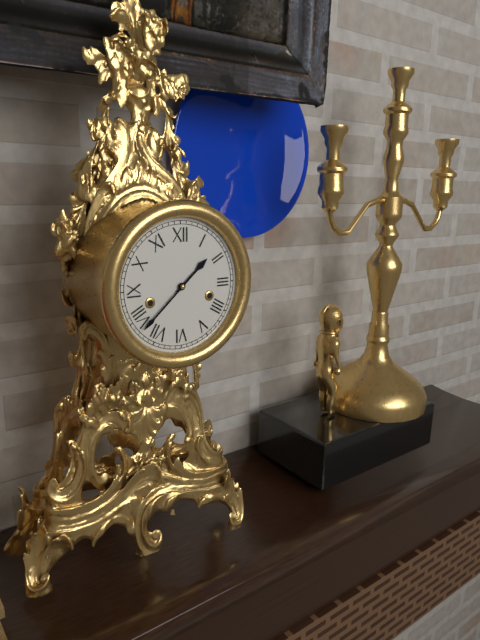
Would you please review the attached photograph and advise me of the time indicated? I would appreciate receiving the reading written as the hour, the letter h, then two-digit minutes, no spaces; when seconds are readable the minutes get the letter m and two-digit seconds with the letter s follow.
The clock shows 1h38
